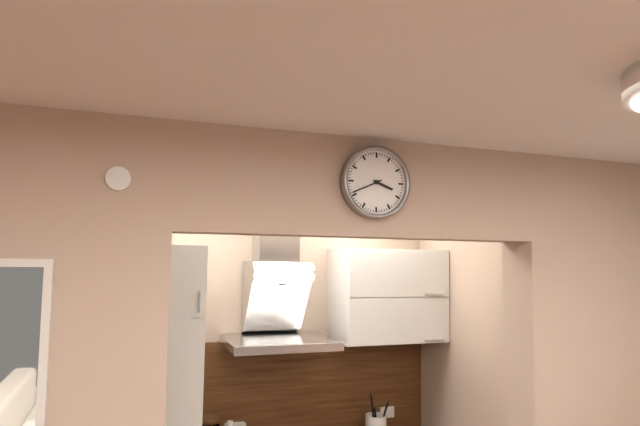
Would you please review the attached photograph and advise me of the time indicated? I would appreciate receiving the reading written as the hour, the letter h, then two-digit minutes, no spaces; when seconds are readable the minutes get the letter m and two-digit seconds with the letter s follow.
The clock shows 3h41
